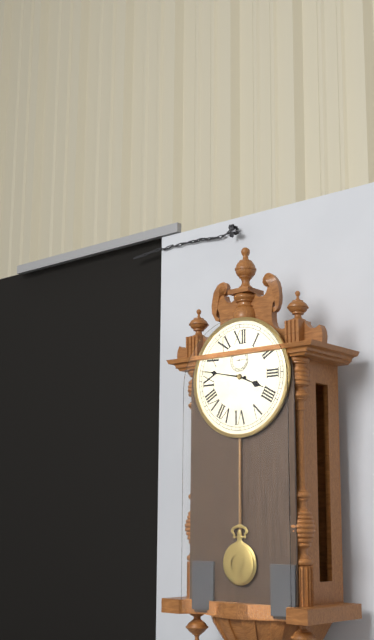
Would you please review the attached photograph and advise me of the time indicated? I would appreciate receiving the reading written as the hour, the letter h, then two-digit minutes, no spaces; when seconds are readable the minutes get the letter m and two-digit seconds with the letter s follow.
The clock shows 3h47
